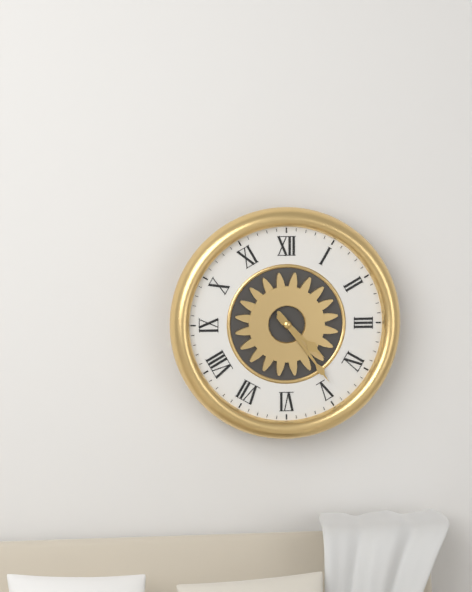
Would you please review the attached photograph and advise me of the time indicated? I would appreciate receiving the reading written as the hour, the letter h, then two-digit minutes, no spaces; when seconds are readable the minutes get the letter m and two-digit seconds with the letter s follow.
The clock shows 4h24
